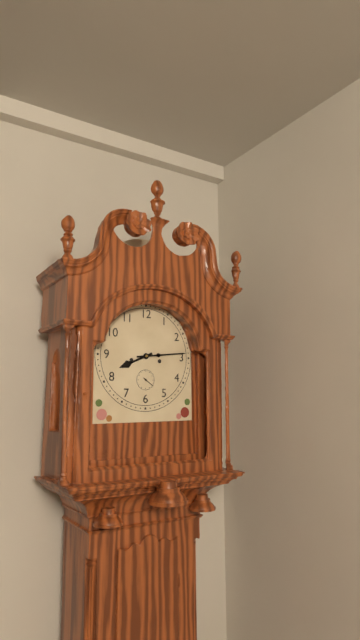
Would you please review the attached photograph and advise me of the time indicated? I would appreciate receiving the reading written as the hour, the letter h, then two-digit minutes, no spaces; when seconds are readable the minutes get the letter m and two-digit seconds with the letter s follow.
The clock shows 8h14
